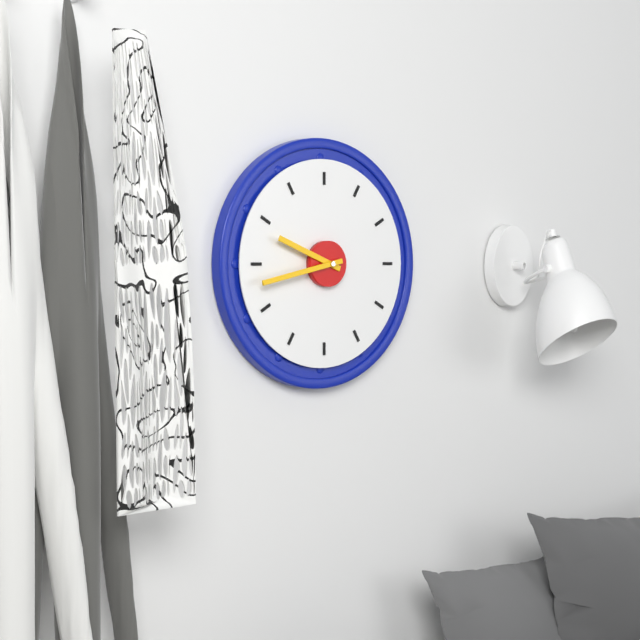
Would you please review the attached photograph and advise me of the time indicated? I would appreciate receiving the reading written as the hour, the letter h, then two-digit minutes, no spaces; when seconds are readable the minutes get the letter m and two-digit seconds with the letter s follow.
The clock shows 9h43
